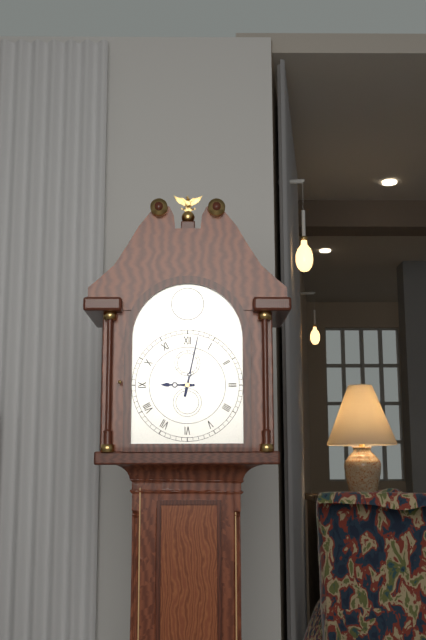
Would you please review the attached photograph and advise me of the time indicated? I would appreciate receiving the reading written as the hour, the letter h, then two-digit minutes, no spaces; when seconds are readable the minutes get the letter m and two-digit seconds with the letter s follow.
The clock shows 9h02
